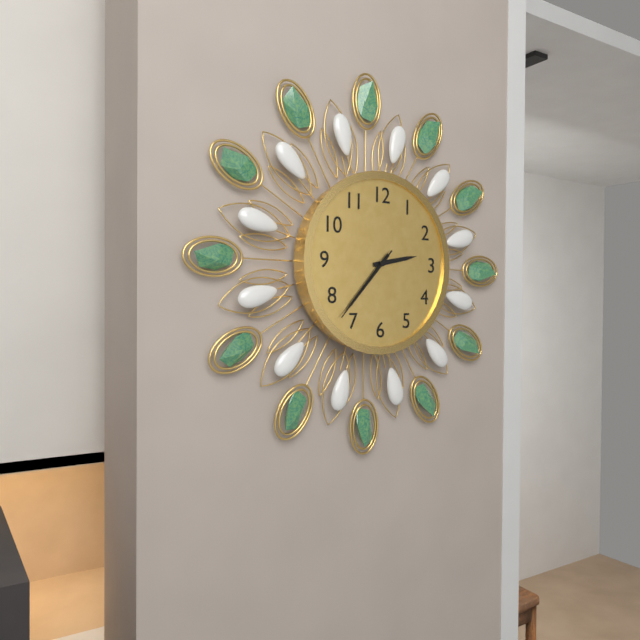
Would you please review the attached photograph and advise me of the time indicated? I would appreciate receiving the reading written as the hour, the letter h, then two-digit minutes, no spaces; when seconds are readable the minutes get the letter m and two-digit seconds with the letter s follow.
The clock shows 2h37m37s
